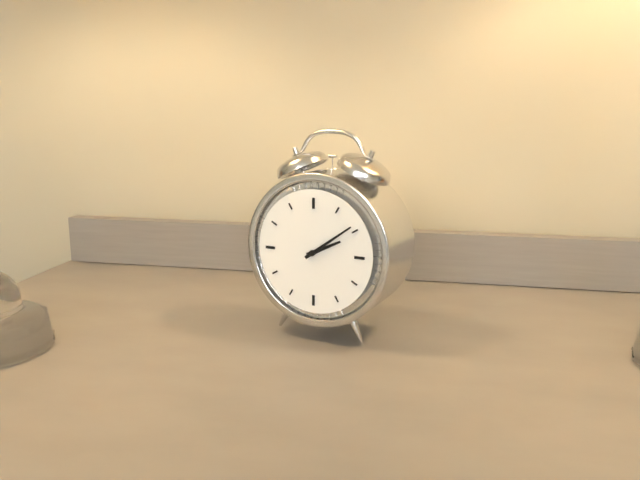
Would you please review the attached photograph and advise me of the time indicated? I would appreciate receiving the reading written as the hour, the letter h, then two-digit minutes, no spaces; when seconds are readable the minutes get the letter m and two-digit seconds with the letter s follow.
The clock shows 2h09
